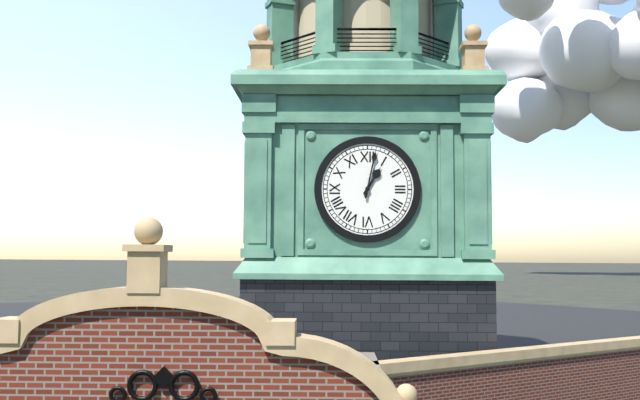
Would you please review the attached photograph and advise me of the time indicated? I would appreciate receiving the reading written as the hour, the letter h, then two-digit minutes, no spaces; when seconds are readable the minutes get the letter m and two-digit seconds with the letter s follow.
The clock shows 1h02
